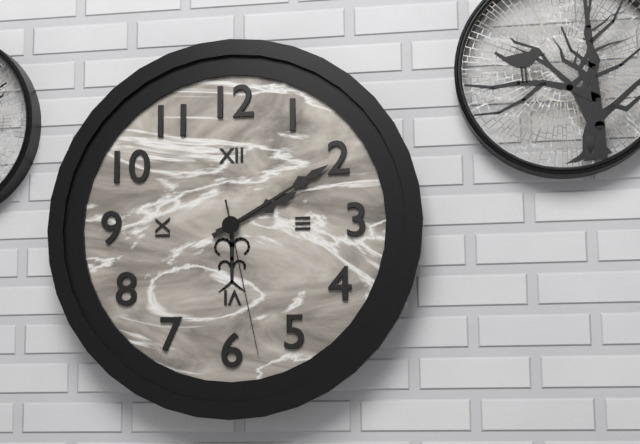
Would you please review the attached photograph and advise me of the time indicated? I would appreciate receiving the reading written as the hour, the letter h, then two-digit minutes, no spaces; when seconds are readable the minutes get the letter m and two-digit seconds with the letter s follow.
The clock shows 2h10m28s
